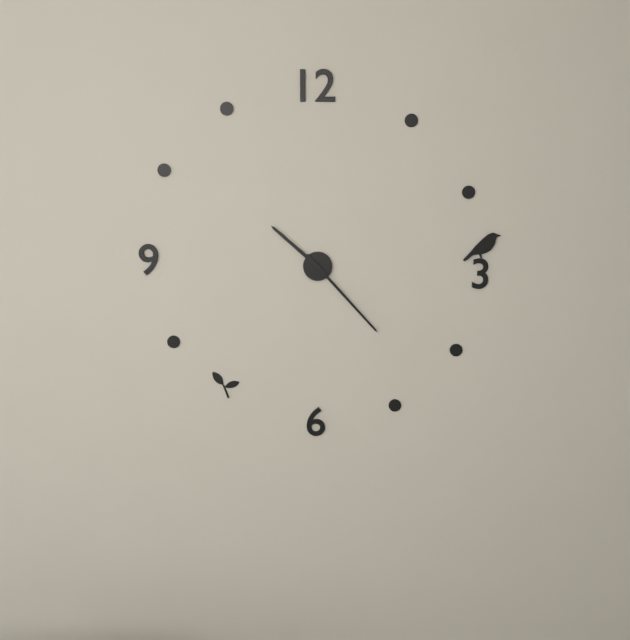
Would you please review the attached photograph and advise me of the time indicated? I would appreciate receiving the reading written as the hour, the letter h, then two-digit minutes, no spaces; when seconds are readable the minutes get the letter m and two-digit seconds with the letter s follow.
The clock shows 10h23
